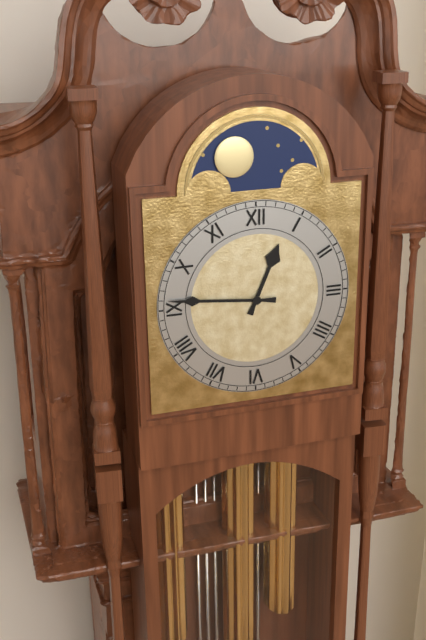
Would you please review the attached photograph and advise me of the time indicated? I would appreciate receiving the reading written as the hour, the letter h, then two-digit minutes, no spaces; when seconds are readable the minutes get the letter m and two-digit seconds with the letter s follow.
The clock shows 12h46
